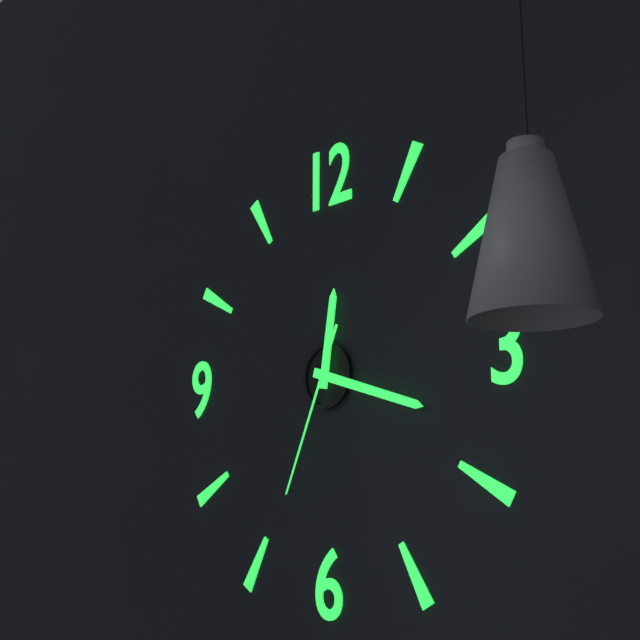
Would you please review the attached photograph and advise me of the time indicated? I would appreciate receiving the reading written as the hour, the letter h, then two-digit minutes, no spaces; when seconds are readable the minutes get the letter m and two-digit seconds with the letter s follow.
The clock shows 12h18m34s
